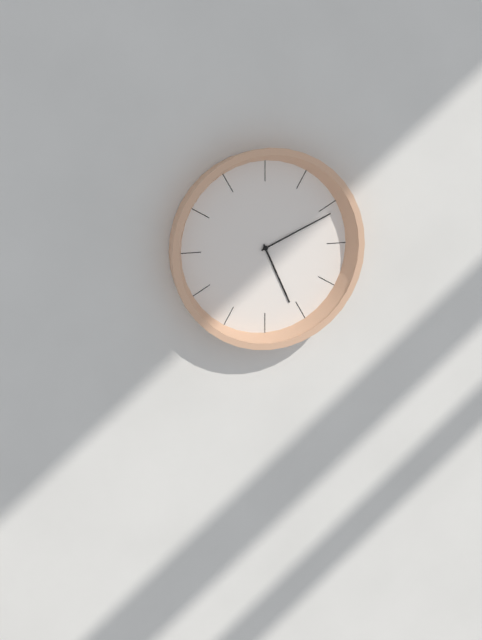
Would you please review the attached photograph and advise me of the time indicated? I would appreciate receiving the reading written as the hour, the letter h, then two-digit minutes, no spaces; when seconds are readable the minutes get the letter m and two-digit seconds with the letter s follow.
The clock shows 5h11
